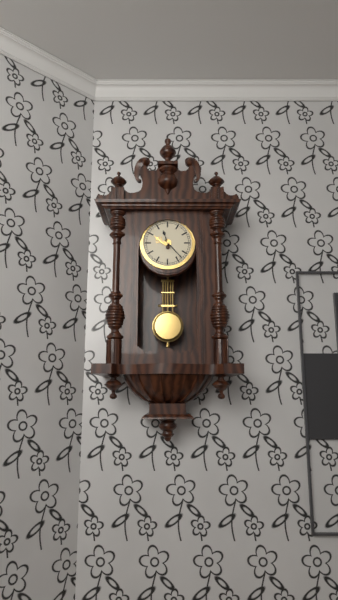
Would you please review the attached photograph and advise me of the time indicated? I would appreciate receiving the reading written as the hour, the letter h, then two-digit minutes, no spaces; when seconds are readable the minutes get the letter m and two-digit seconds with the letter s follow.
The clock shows 11h23
